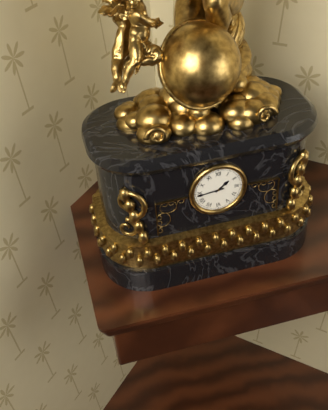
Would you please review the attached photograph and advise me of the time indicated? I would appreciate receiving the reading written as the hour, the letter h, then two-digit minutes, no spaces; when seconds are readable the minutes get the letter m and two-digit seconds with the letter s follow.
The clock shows 1h44
